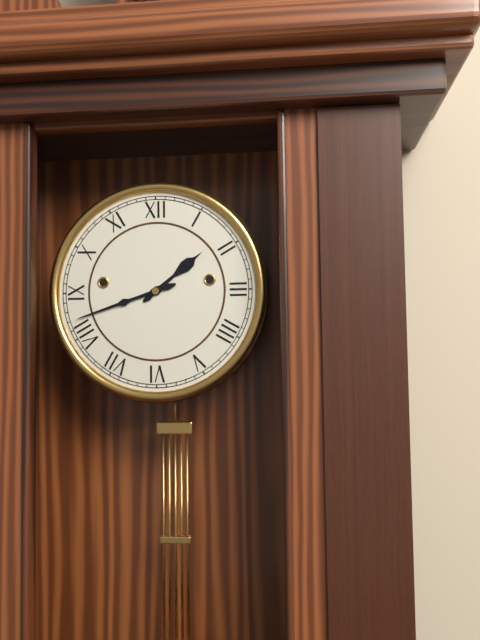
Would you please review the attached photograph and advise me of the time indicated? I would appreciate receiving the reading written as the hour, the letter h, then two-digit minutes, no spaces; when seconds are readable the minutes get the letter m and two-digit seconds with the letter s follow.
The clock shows 1h42
